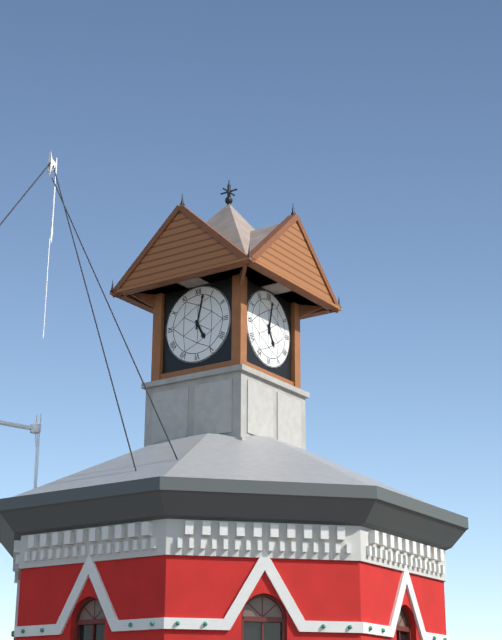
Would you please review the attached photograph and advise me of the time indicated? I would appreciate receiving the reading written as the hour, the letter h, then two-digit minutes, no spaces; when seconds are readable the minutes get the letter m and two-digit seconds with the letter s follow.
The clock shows 5h02
